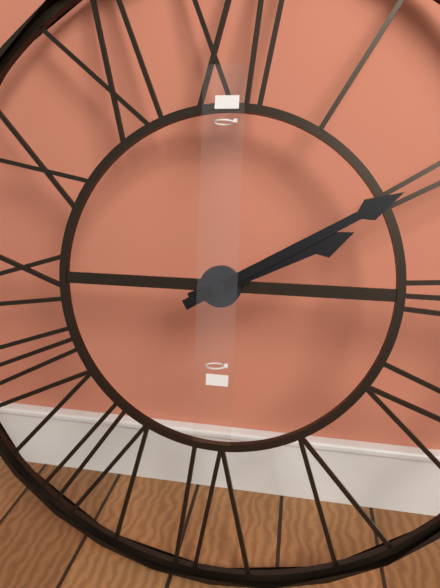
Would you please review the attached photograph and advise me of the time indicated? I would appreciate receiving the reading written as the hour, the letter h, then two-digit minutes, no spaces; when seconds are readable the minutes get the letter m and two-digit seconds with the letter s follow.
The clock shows 2h10
